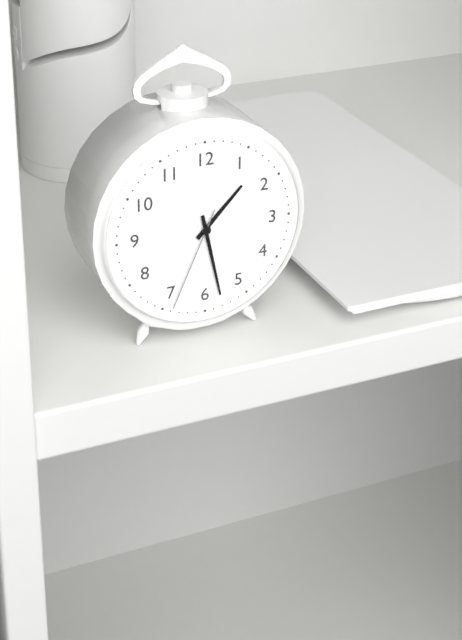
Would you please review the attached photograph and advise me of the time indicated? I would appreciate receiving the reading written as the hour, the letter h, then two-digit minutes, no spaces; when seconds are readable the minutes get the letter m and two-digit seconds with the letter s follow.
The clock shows 1h28m34s
